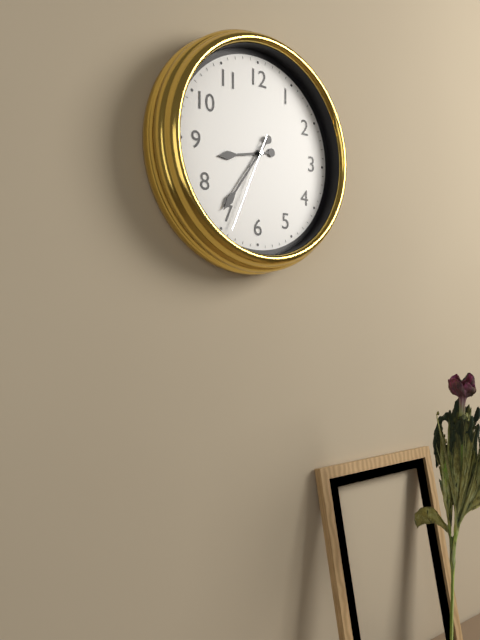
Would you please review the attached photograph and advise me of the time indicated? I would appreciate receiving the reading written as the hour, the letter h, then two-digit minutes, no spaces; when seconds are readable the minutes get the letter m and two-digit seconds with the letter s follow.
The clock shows 8h36m34s
